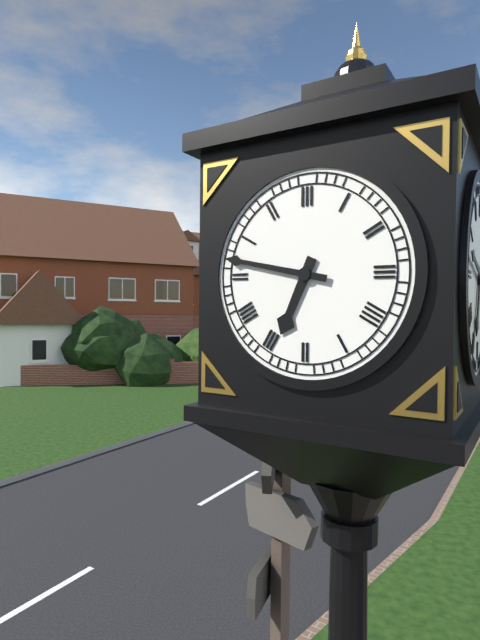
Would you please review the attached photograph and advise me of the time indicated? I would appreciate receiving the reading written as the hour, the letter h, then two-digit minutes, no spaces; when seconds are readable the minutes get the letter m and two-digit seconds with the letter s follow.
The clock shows 6h47
